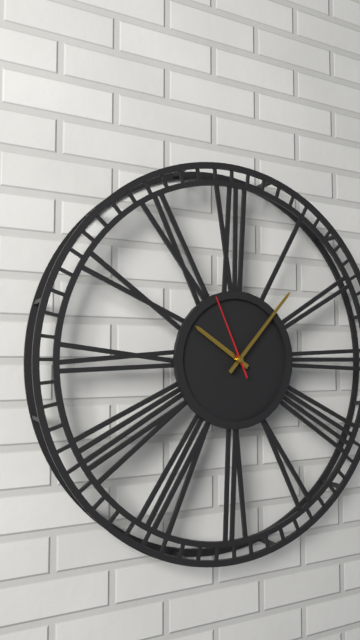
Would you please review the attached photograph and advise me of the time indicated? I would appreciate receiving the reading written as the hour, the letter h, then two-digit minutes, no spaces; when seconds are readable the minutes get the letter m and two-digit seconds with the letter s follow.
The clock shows 10h07m56s
